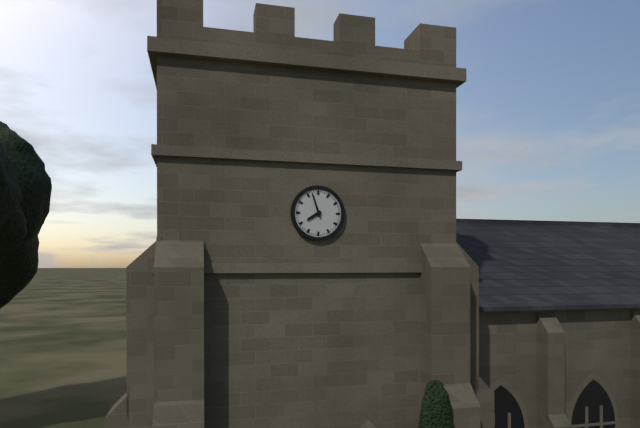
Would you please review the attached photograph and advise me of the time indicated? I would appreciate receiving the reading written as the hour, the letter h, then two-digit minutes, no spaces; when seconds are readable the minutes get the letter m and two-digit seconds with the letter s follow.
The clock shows 7h57
